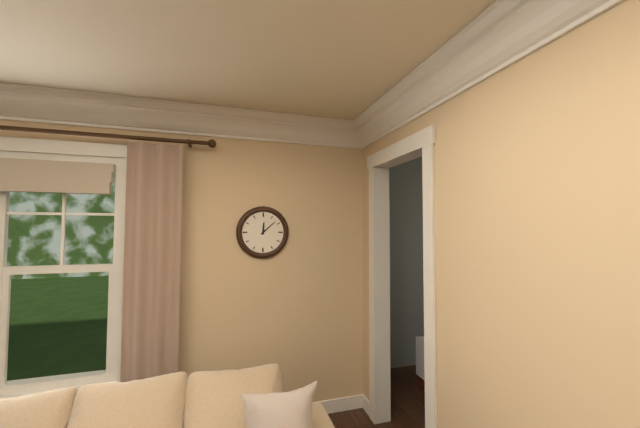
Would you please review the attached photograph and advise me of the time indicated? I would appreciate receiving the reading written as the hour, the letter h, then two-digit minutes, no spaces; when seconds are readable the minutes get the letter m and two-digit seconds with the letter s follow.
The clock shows 12h08
